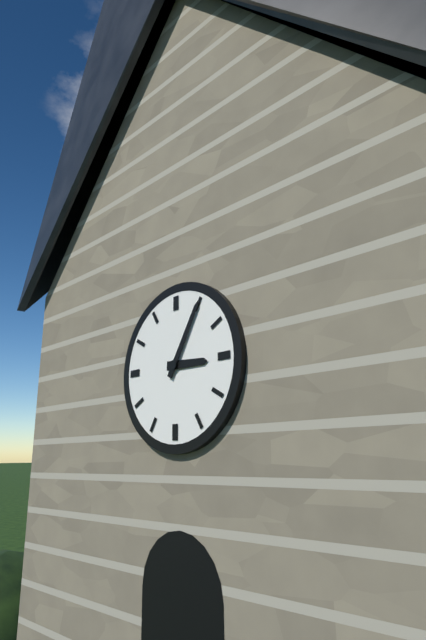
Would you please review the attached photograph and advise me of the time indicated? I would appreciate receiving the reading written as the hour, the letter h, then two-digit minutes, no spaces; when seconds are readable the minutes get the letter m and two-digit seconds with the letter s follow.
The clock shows 3h05
